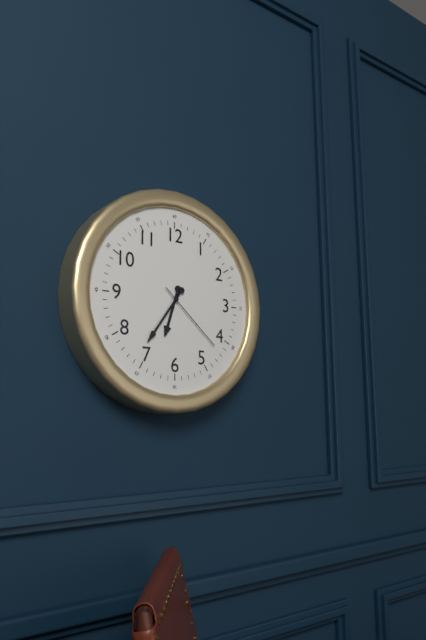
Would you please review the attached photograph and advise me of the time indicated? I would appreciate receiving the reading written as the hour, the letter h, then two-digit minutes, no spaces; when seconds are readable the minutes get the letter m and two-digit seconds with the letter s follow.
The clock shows 6h36m22s
